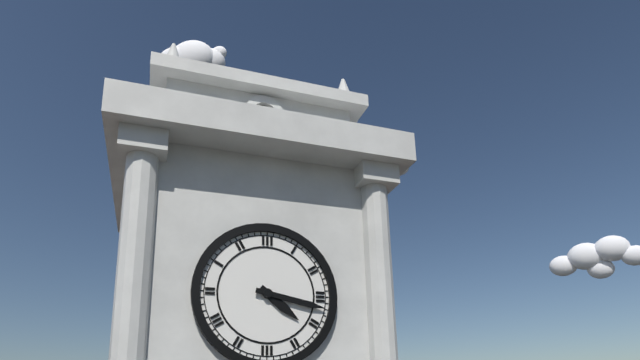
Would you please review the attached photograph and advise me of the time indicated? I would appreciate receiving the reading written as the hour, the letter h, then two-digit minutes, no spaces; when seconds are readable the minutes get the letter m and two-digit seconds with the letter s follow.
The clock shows 4h17
